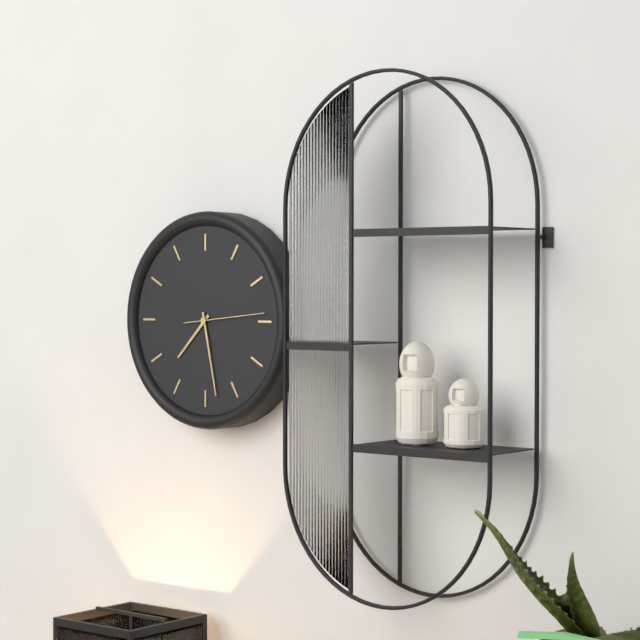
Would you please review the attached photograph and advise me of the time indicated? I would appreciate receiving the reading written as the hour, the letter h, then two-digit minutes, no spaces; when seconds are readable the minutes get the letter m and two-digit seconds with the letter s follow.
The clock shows 7h28
